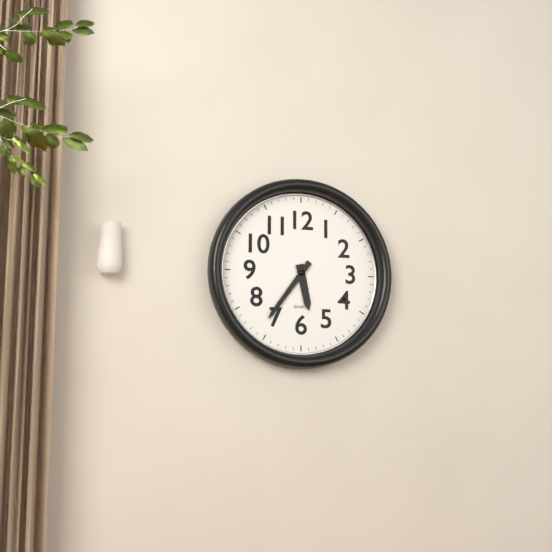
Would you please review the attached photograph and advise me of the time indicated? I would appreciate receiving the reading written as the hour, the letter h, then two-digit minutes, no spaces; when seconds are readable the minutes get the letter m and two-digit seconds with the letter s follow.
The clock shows 5h36
